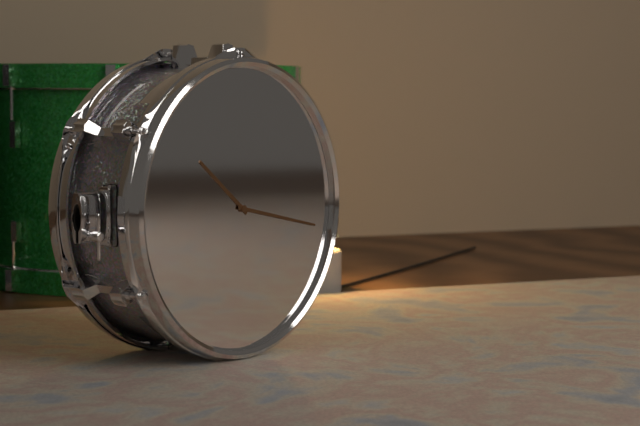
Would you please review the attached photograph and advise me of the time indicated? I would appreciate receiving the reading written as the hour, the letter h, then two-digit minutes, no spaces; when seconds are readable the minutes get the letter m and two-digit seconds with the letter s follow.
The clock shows 10h17
